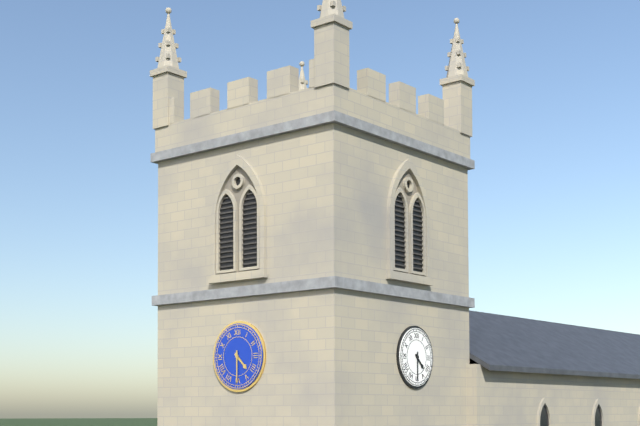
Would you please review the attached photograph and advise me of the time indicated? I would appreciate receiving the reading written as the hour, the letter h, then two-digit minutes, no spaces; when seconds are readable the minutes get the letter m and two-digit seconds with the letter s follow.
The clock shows 4h30
